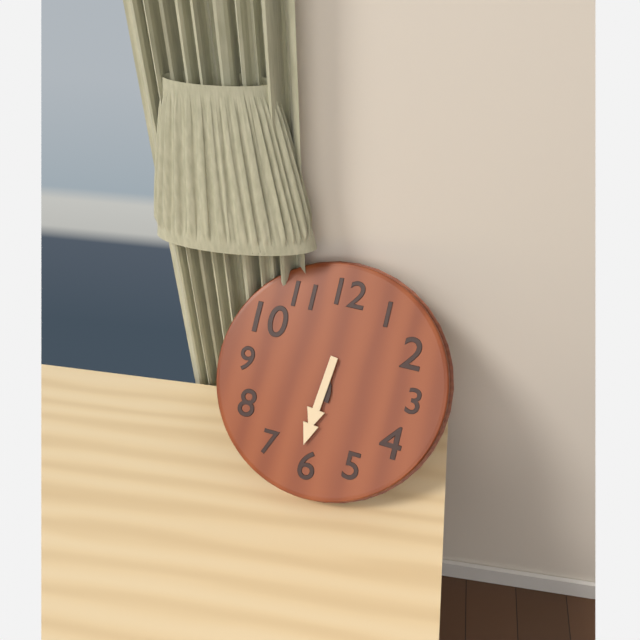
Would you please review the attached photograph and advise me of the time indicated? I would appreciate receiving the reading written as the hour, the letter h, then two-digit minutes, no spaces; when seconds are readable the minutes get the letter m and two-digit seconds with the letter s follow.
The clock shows 5h31
